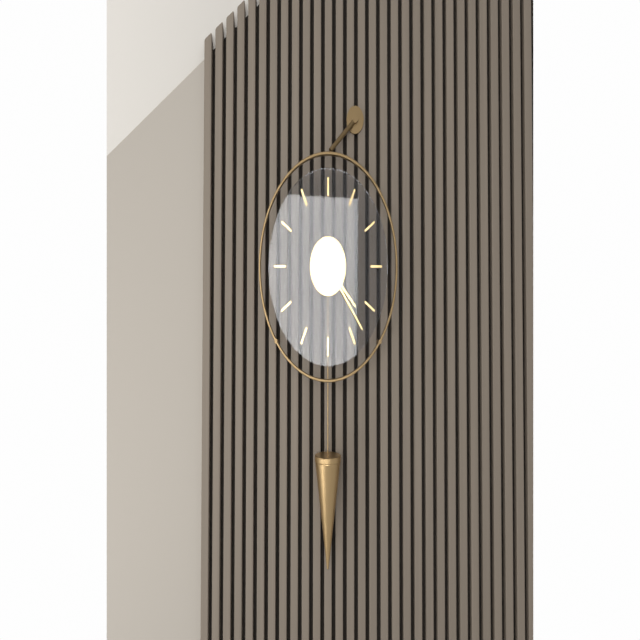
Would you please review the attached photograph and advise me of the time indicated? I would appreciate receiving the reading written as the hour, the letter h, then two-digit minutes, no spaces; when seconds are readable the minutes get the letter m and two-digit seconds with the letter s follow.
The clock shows 4h23
